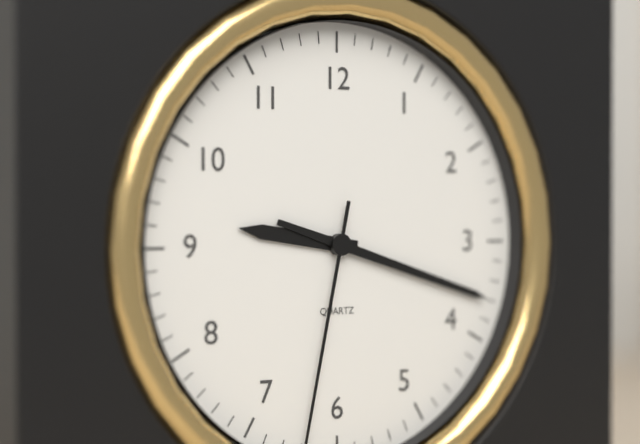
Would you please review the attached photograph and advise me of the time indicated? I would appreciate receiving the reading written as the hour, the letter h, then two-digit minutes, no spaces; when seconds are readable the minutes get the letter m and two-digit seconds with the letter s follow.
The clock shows 9h18
